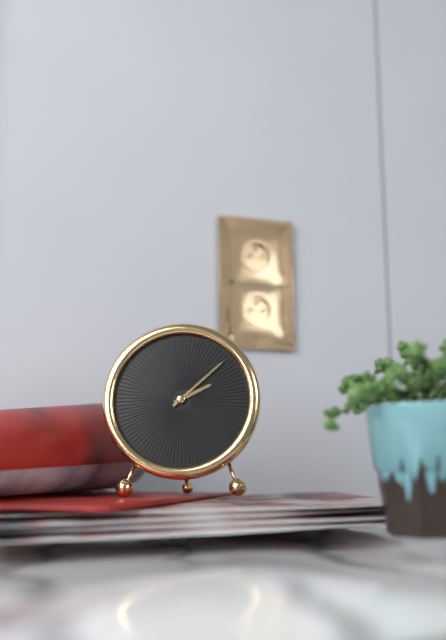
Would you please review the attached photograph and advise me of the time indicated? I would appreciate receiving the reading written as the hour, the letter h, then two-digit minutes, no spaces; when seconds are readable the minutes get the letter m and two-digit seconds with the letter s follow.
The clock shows 2h08
